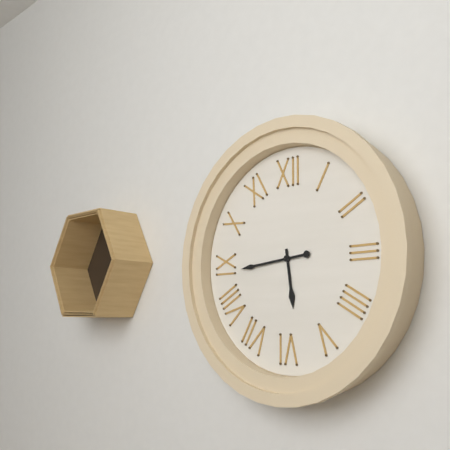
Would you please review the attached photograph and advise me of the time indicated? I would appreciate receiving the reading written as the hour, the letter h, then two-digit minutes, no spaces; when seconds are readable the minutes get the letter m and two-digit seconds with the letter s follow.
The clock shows 5h44
